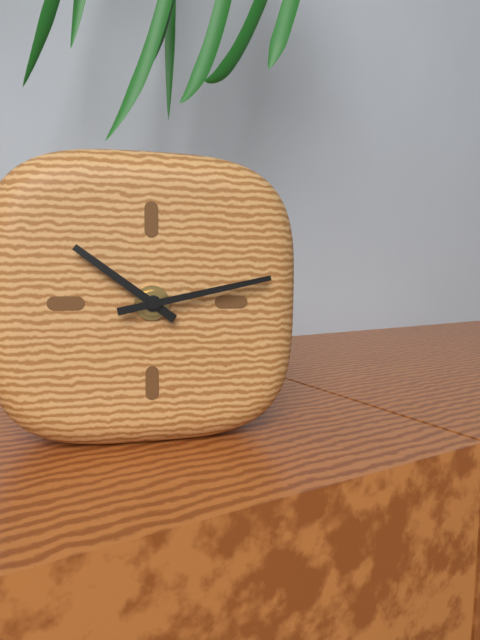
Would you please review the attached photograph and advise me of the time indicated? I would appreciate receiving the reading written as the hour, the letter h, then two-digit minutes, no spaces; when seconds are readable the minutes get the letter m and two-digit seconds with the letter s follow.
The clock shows 10h13
